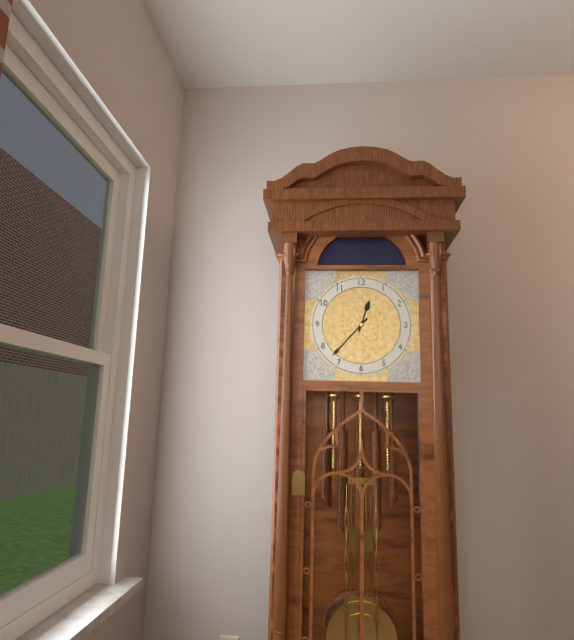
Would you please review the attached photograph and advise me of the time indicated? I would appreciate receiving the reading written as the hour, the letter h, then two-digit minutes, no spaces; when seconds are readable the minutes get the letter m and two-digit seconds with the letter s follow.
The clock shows 12h37
